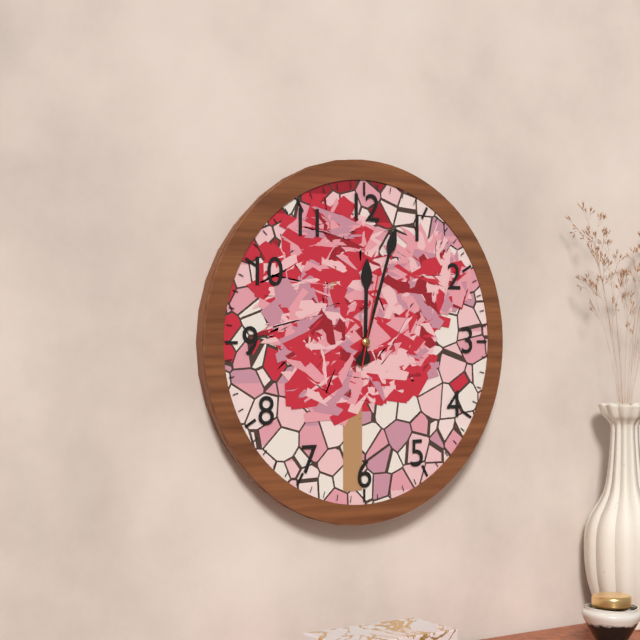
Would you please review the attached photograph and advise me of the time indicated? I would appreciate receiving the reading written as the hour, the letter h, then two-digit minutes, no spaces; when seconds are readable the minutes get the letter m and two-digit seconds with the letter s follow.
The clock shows 12h03m02s
